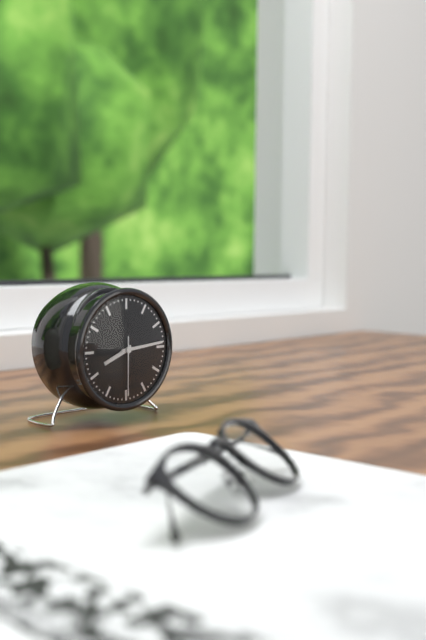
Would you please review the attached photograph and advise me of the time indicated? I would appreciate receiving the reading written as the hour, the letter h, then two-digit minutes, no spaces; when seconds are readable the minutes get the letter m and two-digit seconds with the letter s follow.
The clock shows 8h14m30s
